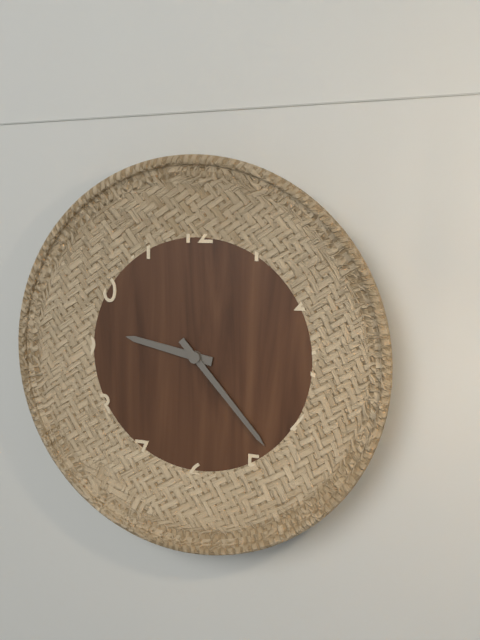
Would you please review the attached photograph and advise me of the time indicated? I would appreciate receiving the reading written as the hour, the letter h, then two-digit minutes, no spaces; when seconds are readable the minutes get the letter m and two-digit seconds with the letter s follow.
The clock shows 9h23
